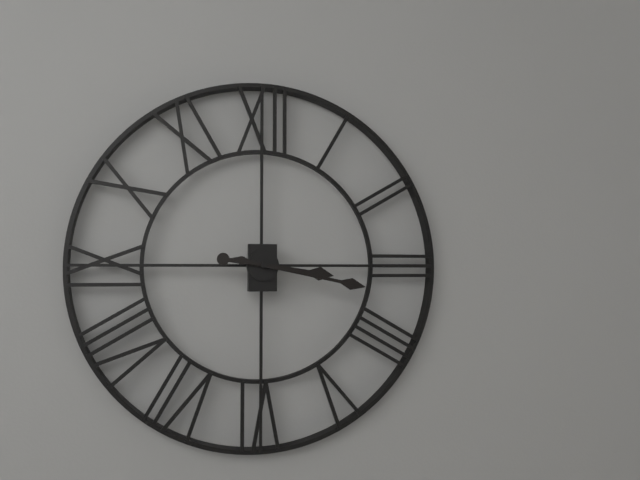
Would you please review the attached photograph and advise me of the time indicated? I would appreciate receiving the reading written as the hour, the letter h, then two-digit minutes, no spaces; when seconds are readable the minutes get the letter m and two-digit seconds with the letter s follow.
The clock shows 3h17
